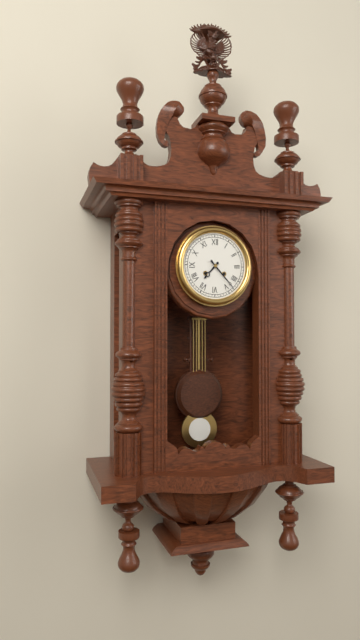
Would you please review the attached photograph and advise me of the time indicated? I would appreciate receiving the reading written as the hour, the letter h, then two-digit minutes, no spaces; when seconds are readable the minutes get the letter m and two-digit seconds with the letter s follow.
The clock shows 7h23
